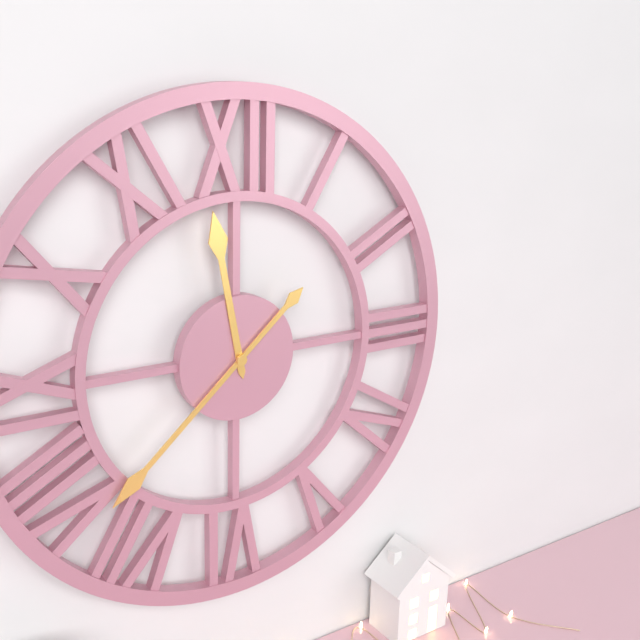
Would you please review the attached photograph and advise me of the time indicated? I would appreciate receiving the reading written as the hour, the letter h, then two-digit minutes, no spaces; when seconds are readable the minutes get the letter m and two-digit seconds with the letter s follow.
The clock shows 11h38
